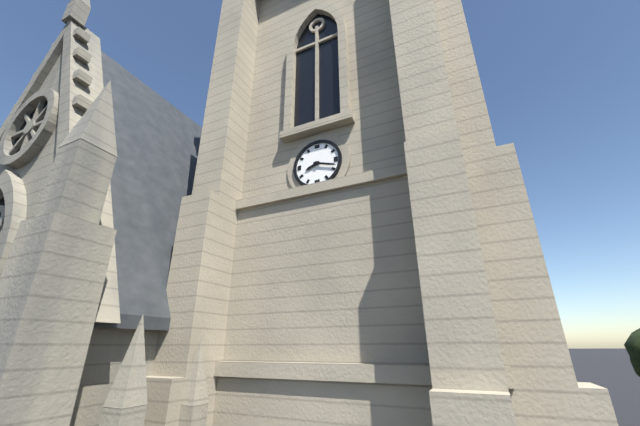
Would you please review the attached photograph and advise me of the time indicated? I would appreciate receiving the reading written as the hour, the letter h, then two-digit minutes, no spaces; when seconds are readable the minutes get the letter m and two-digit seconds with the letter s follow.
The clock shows 8h18
